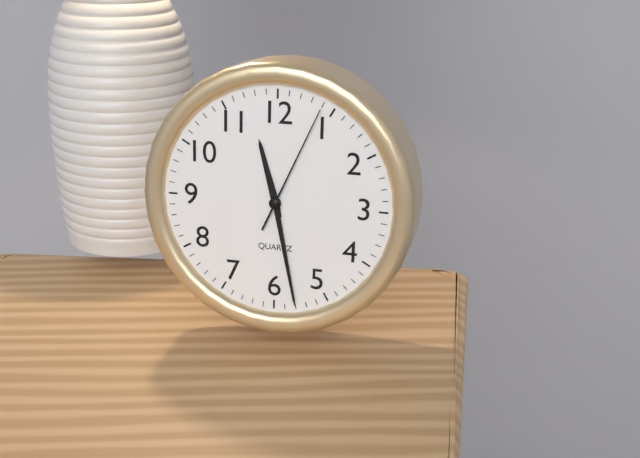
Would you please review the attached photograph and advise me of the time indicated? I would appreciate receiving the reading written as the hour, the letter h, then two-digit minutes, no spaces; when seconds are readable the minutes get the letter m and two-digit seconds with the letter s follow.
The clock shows 11h28m04s
